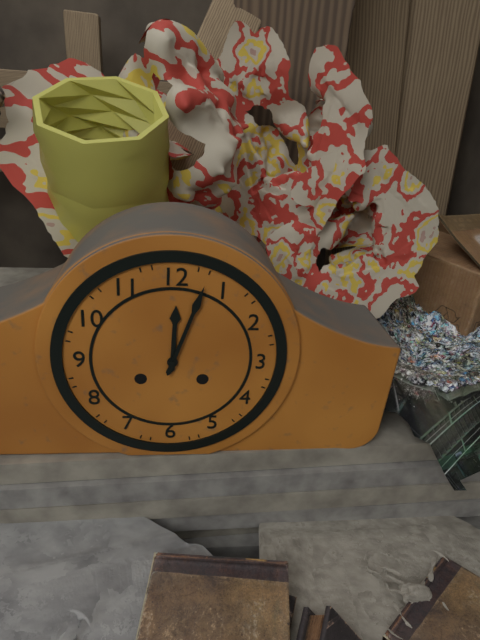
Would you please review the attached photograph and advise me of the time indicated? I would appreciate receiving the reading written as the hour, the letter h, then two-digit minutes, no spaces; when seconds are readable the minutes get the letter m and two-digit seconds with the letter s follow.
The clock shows 12h03
